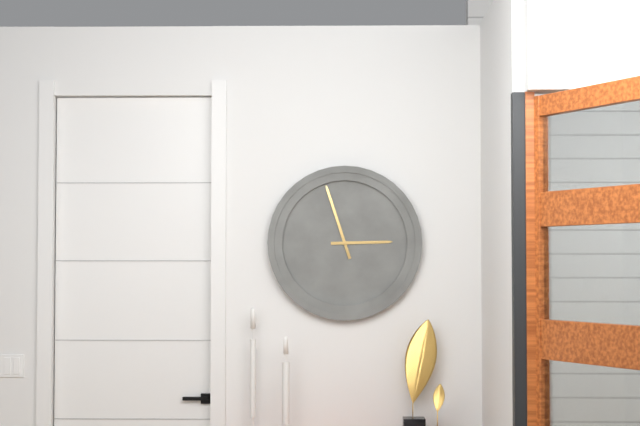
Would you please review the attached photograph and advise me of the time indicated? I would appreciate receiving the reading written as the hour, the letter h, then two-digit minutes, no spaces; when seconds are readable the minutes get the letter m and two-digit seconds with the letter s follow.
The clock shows 2h57
